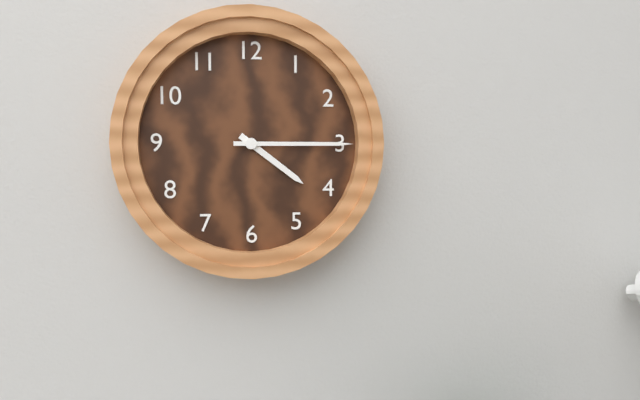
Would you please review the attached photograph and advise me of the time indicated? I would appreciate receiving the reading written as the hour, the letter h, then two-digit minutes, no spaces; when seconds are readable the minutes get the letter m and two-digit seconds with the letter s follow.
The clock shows 4h15
